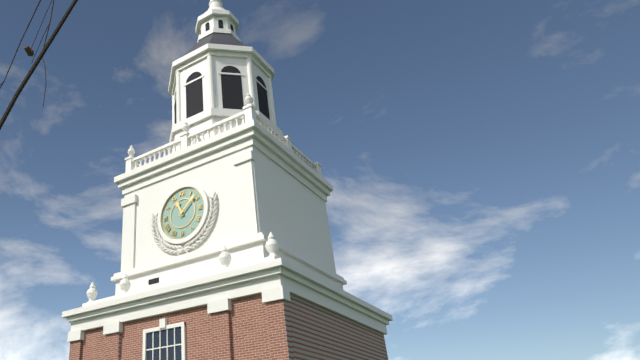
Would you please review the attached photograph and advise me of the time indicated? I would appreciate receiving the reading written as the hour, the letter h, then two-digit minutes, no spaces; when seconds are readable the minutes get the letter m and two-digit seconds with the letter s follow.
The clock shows 11h08
